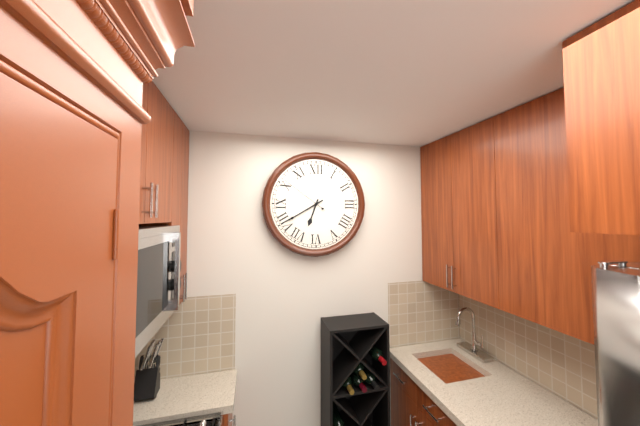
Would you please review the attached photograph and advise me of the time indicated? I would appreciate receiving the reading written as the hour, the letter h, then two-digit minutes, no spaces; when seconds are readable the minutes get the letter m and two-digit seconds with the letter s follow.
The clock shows 6h40m51s
